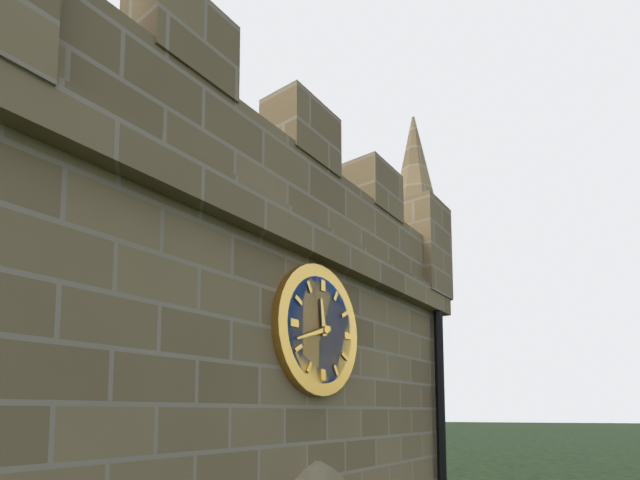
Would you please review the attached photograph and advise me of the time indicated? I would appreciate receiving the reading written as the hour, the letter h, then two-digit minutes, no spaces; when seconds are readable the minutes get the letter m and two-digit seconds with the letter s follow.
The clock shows 11h42
